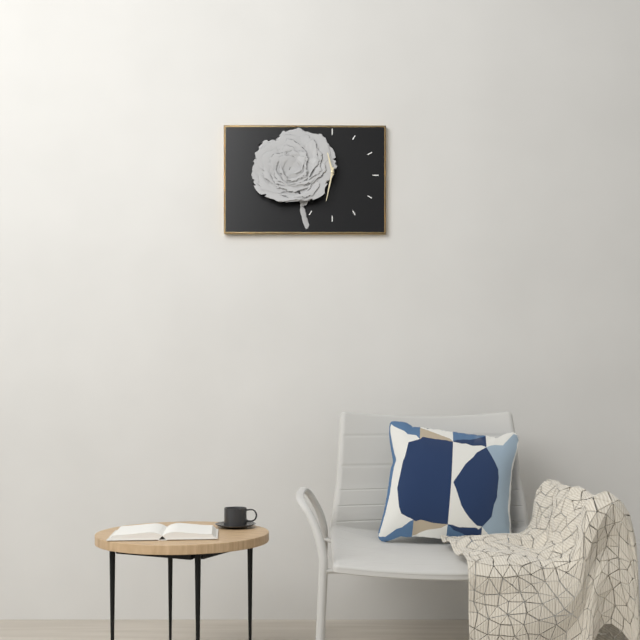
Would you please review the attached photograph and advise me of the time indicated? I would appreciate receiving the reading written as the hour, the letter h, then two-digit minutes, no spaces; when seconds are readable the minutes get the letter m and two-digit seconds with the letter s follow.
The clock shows 11h32
